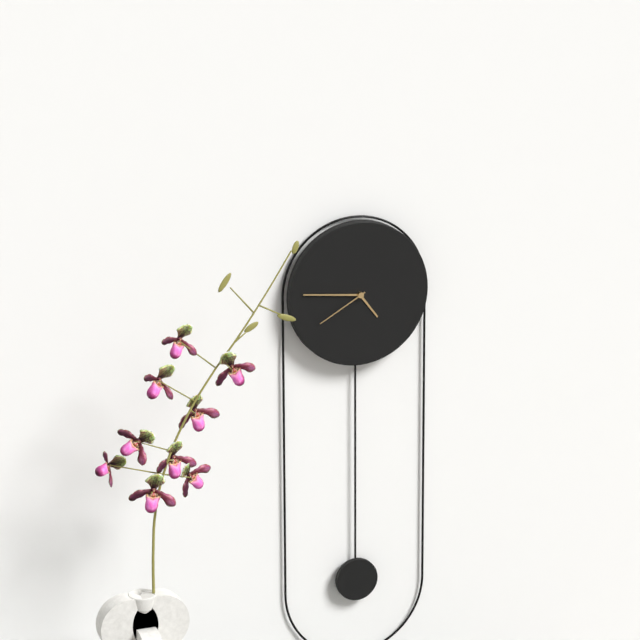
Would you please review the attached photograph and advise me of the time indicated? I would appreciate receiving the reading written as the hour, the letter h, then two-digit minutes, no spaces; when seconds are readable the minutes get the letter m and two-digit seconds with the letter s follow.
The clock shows 4h46m40s
